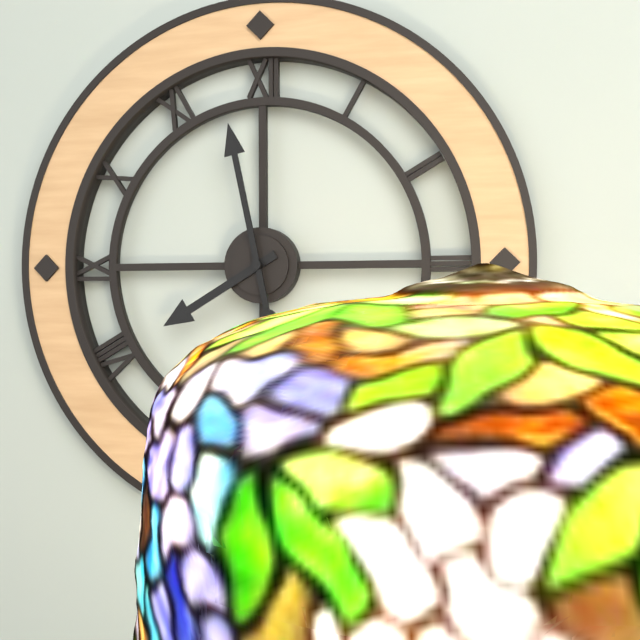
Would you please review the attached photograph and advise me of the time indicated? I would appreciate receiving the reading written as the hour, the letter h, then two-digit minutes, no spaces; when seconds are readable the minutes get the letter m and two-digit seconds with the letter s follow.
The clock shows 7h58
